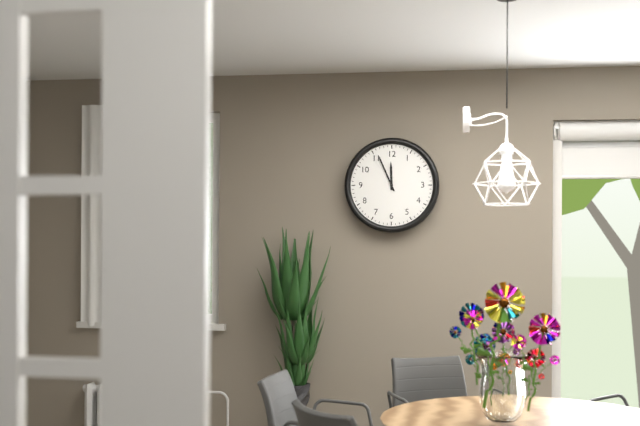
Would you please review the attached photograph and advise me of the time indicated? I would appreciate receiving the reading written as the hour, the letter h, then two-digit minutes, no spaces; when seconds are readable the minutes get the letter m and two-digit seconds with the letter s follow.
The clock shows 11h56
